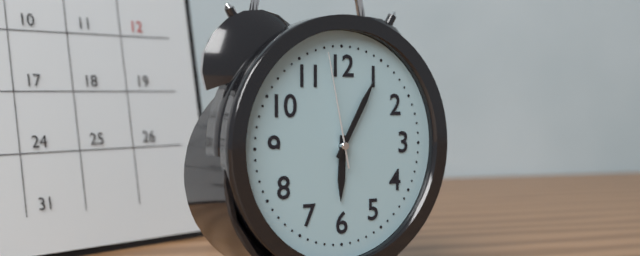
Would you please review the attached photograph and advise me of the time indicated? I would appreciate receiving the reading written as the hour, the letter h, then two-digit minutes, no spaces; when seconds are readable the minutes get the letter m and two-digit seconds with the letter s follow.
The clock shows 6h05m58s
